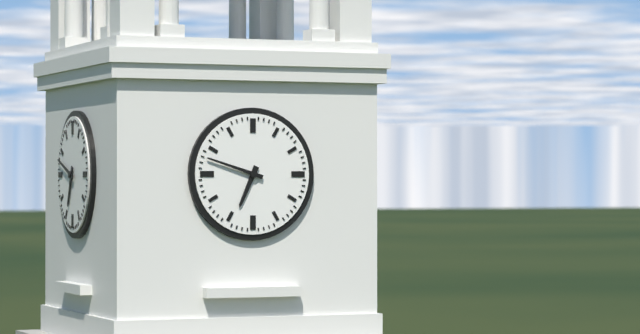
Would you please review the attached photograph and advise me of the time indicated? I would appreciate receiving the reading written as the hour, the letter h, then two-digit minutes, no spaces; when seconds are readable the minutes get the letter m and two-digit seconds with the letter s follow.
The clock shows 6h48
